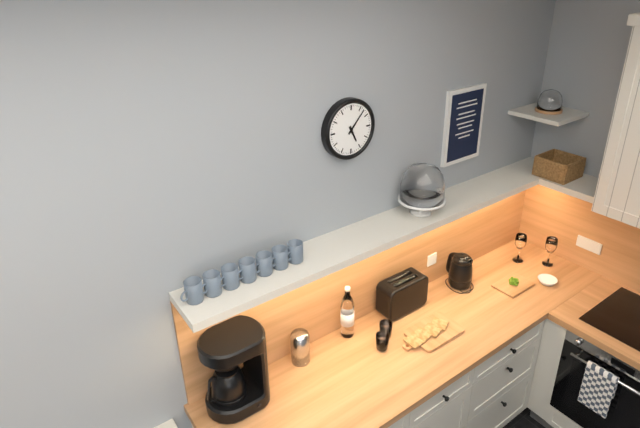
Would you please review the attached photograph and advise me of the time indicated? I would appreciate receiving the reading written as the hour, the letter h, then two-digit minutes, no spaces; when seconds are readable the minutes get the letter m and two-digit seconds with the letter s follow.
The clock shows 5h07
